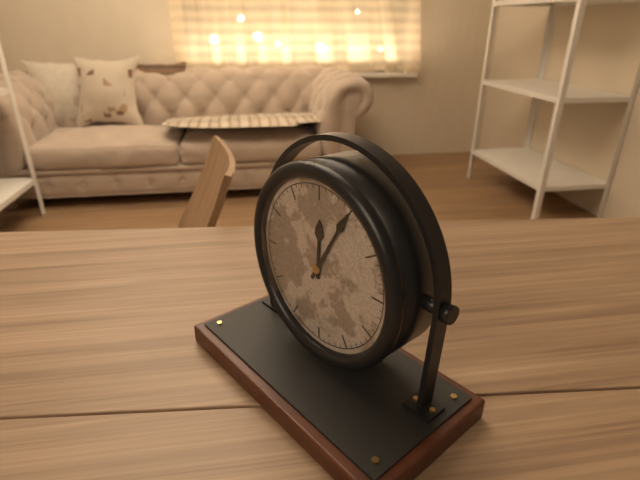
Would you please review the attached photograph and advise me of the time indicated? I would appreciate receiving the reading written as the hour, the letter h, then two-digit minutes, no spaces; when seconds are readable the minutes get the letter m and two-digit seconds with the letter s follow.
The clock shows 12h05
